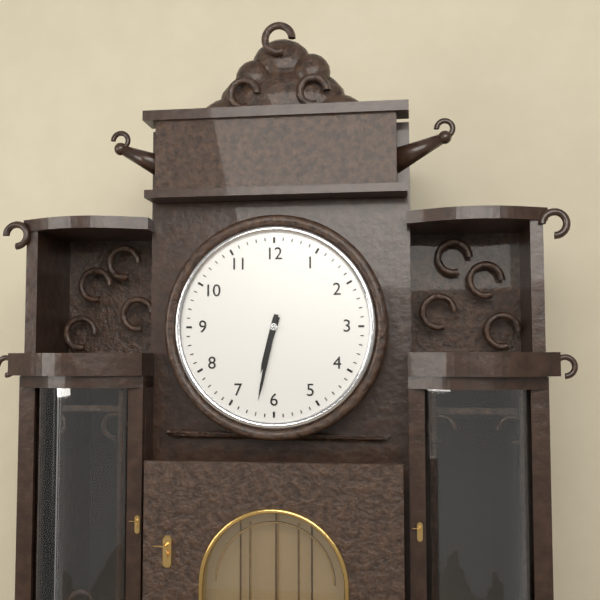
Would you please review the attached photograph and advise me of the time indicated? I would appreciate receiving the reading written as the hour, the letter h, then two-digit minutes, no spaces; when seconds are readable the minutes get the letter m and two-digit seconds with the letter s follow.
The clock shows 6h32
